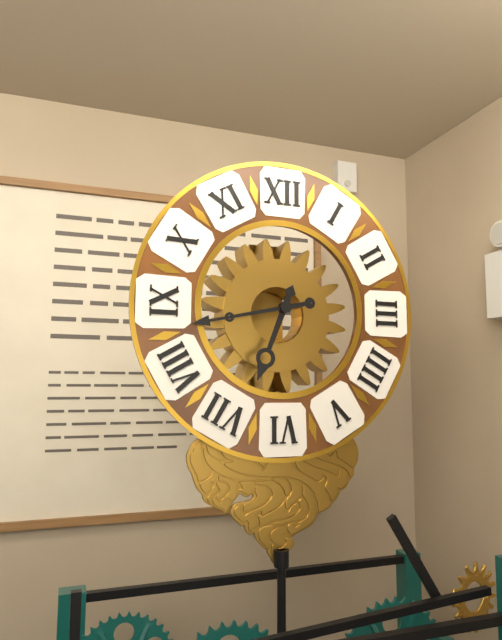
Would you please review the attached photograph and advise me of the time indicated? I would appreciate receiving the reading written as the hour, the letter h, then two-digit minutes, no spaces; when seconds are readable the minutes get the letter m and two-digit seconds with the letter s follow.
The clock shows 6h43
